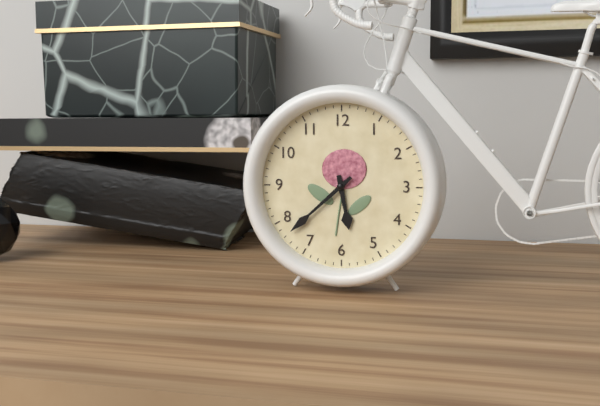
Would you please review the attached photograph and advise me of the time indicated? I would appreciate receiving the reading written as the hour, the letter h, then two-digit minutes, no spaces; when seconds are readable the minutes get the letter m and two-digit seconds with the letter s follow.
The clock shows 5h38
